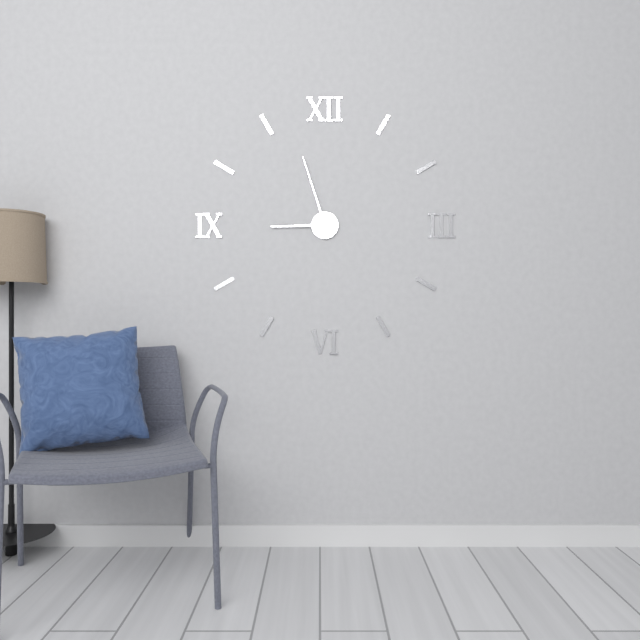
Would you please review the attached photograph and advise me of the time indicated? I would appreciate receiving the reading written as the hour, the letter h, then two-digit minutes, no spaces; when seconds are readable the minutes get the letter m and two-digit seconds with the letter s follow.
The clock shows 8h57
